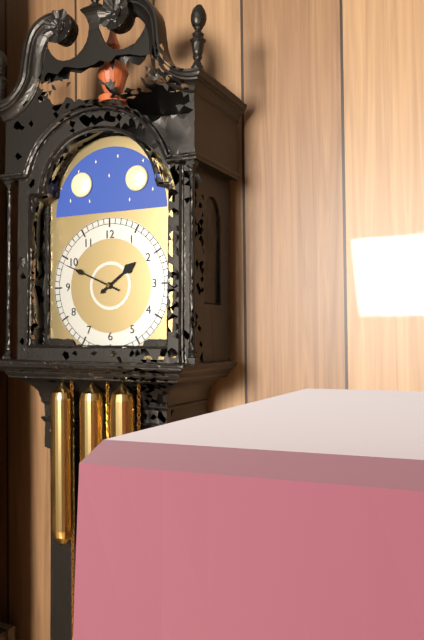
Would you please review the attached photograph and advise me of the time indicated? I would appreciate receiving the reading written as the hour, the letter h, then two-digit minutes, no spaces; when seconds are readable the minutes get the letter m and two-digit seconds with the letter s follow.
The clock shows 1h49
